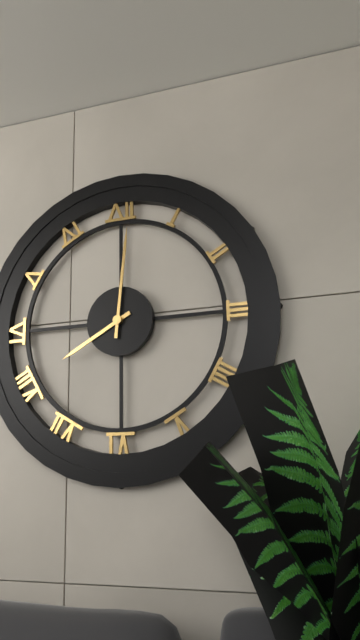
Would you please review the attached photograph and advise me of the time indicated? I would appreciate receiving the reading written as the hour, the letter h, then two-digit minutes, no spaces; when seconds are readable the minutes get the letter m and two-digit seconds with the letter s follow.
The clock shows 8h01
